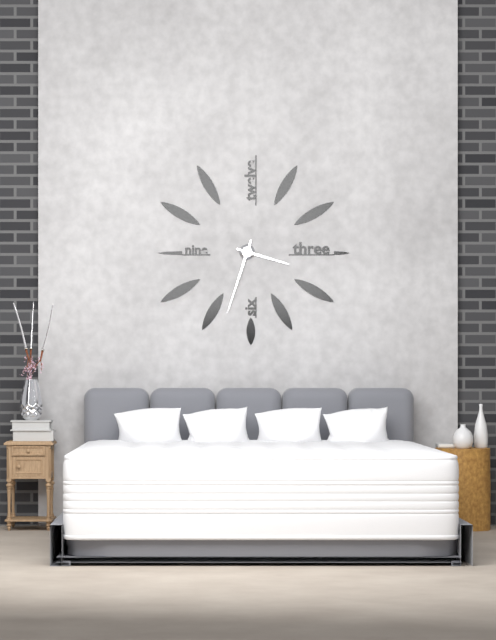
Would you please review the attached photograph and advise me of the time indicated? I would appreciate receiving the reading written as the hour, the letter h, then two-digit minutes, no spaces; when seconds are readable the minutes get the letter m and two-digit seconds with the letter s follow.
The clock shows 3h33
